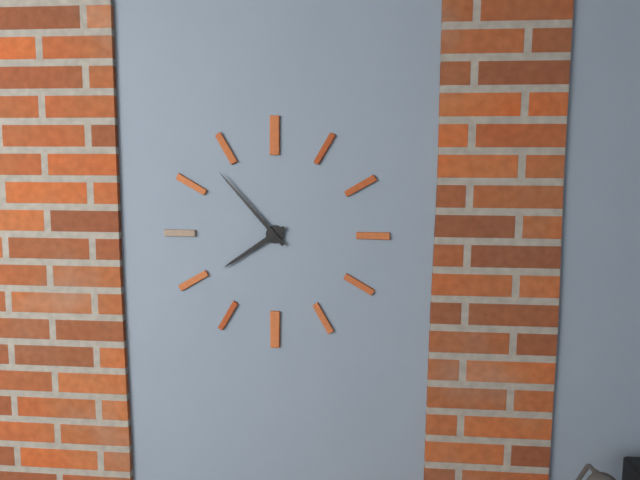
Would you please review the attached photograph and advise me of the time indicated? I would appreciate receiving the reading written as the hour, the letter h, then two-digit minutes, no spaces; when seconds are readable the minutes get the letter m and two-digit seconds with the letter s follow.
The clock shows 7h53
